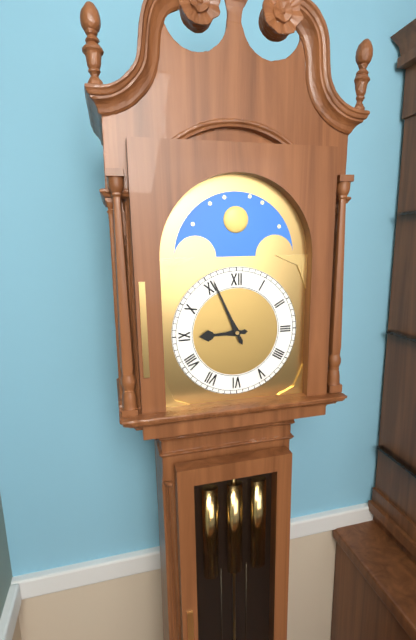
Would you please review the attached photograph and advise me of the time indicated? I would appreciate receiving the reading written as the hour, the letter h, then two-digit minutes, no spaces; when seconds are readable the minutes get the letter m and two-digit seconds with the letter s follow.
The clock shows 8h56
